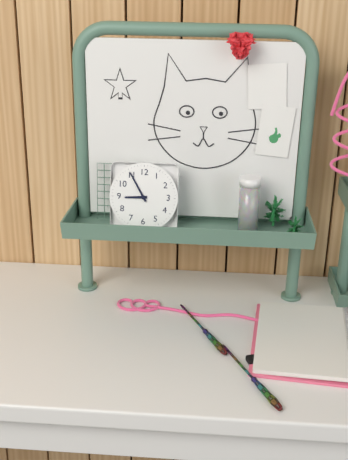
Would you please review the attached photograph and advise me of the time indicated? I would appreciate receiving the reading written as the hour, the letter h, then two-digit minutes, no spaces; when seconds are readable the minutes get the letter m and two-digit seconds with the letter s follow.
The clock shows 8h55
